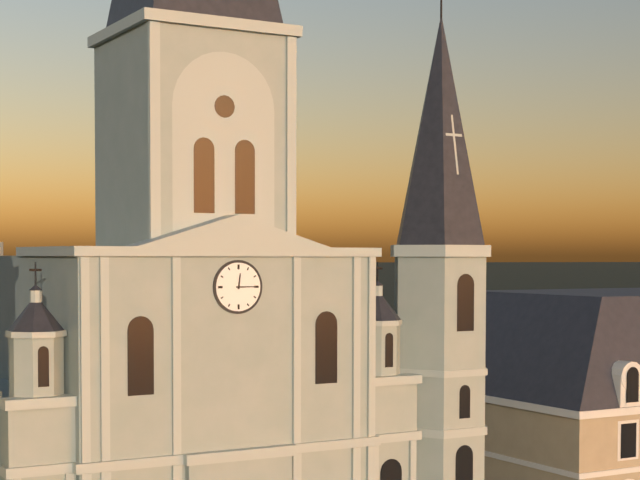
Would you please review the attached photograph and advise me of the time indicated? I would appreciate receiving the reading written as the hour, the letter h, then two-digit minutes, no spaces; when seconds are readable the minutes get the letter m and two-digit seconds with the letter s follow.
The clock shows 12h15
